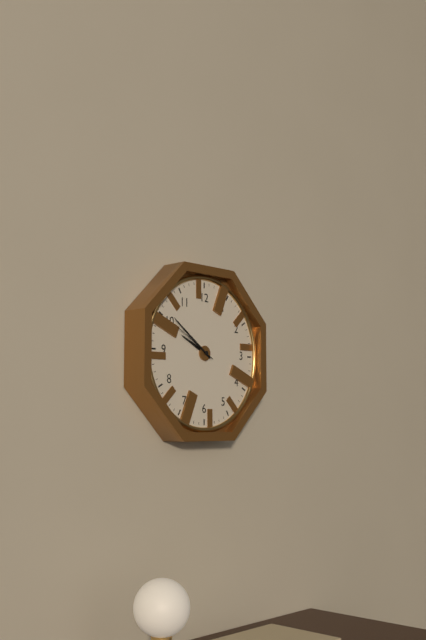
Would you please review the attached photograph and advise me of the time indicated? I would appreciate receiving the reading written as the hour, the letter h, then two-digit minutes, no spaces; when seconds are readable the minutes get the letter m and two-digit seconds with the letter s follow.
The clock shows 9h51
